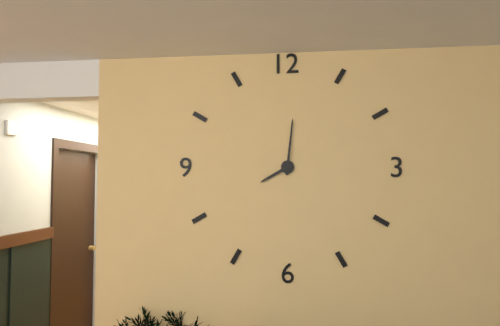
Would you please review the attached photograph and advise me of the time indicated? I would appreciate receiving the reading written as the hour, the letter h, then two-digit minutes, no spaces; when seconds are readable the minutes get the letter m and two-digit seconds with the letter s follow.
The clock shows 8h01
